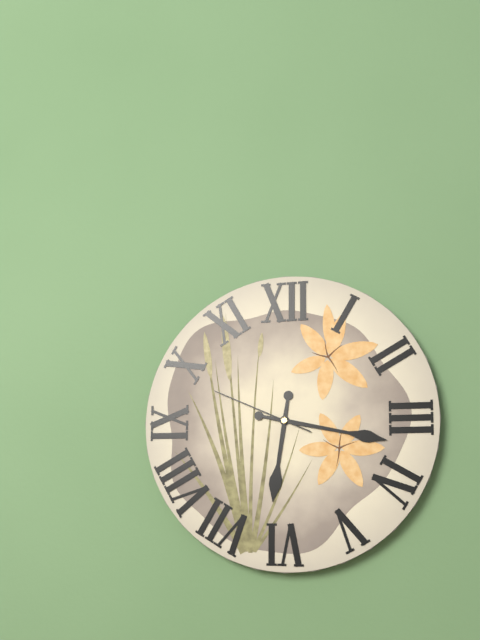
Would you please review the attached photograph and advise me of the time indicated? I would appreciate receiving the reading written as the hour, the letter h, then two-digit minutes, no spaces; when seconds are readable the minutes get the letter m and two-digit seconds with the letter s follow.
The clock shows 6h17m49s
